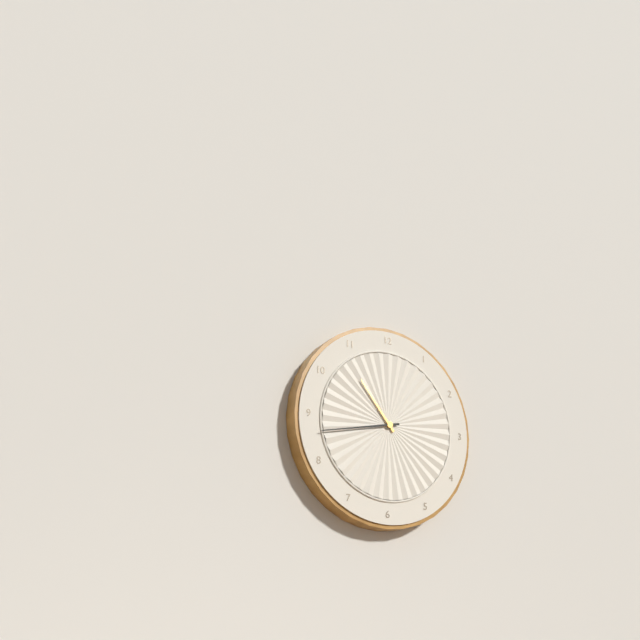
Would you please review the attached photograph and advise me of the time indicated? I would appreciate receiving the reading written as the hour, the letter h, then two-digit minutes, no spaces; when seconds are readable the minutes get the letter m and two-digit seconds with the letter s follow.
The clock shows 10h43
